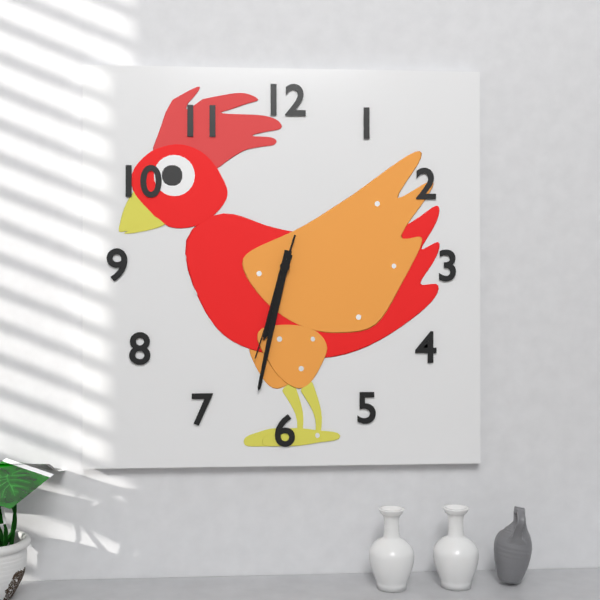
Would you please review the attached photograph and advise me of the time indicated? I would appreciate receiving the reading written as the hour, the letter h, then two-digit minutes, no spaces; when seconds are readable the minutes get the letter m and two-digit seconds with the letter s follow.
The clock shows 6h32m33s
